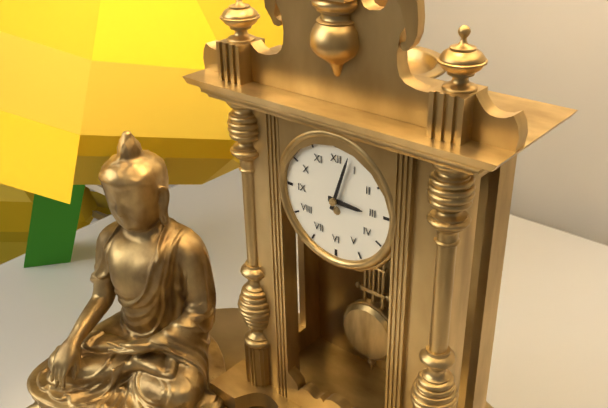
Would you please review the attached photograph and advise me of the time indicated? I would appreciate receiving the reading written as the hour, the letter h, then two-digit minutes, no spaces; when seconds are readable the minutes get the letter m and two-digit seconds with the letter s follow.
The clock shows 3h03
